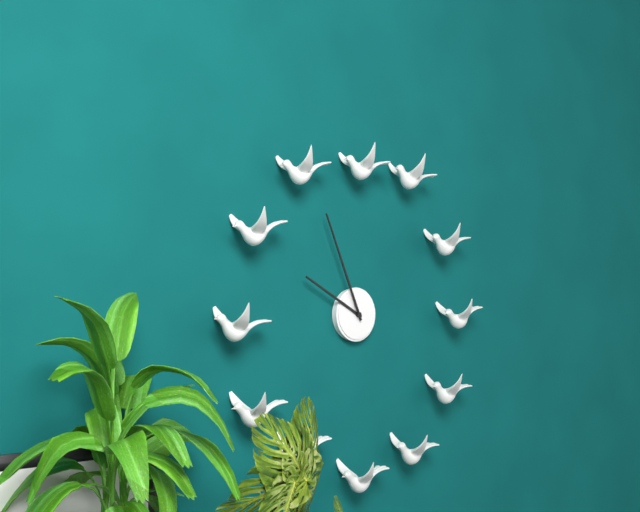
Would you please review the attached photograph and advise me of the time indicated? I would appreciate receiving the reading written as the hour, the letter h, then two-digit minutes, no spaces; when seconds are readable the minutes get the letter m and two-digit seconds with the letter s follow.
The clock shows 9h56
